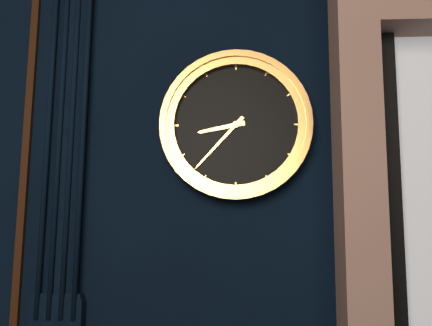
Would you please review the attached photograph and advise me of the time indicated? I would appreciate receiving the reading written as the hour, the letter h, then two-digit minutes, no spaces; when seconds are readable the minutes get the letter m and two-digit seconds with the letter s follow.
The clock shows 8h37
